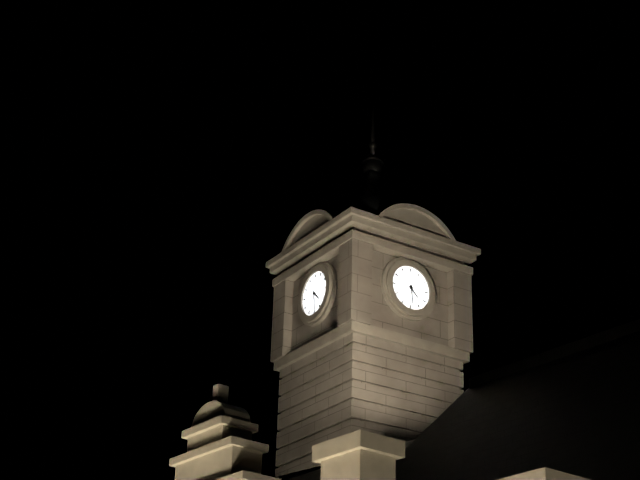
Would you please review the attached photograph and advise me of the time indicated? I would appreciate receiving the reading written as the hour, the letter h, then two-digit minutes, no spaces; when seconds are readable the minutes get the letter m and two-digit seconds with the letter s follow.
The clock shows 4h29
